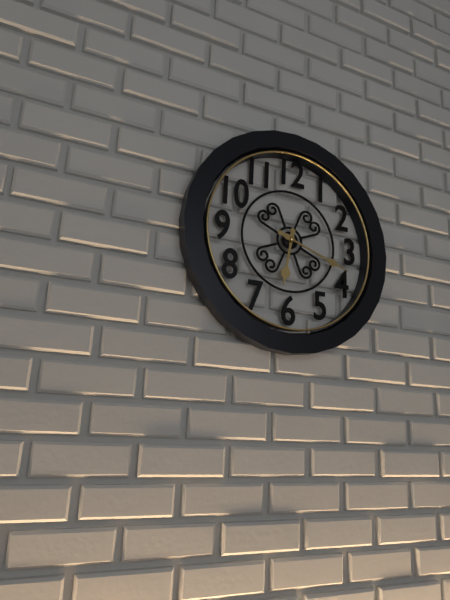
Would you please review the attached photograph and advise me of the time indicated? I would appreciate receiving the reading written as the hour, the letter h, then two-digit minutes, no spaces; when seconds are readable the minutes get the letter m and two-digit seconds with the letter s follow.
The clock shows 6h18
